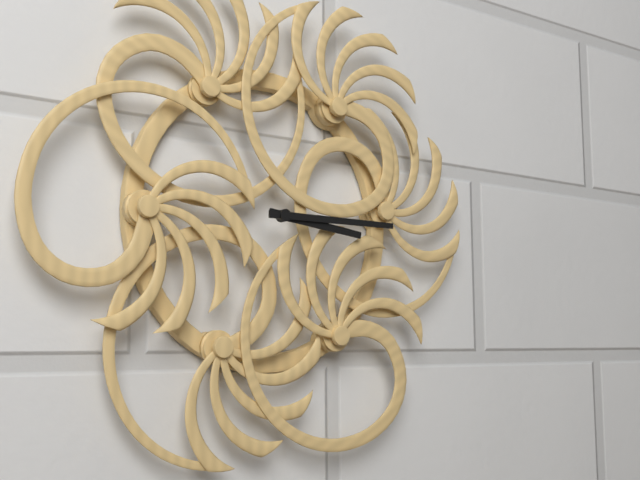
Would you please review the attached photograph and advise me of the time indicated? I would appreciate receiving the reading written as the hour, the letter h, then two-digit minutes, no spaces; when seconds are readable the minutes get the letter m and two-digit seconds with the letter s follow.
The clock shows 3h15
